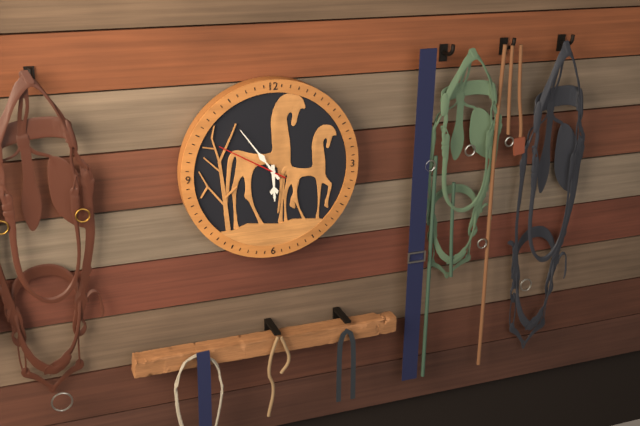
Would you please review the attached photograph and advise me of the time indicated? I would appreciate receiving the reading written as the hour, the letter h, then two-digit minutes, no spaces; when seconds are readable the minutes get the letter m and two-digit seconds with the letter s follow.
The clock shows 5h54m50s
